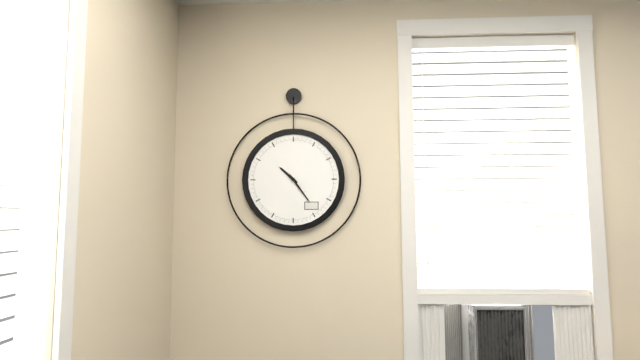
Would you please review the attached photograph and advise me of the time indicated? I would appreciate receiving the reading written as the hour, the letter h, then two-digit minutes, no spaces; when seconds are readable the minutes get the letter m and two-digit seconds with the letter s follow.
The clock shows 10h24
